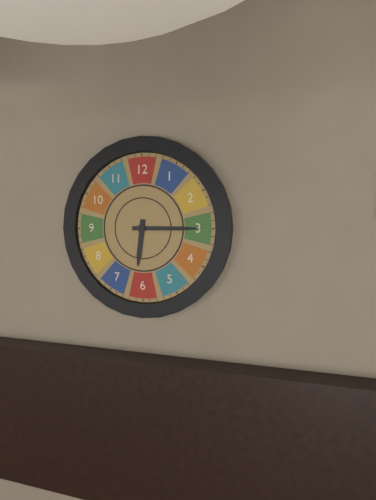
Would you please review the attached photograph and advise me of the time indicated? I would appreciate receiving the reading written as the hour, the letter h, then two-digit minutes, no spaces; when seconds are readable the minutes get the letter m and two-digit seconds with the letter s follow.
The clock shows 6h15
